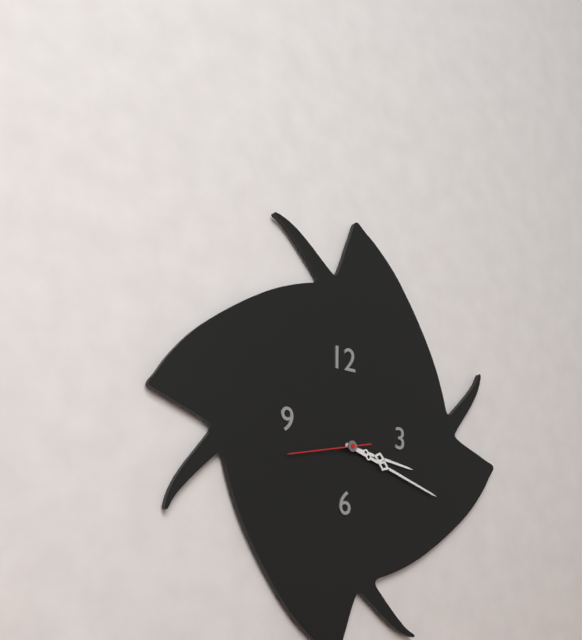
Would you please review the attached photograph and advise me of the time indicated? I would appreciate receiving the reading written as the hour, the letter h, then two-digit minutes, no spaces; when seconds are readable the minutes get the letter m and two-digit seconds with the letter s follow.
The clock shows 3h18m43s
